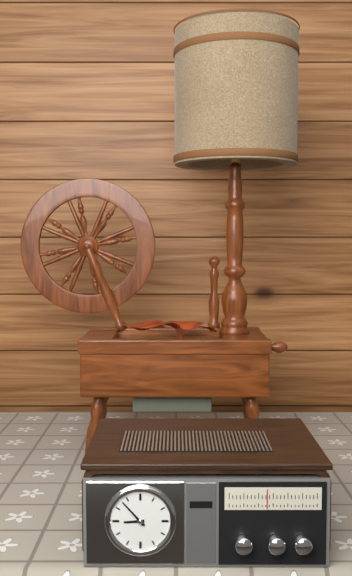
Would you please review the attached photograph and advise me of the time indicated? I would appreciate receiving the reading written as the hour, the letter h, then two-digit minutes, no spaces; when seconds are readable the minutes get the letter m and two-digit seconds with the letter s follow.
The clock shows 8h53
